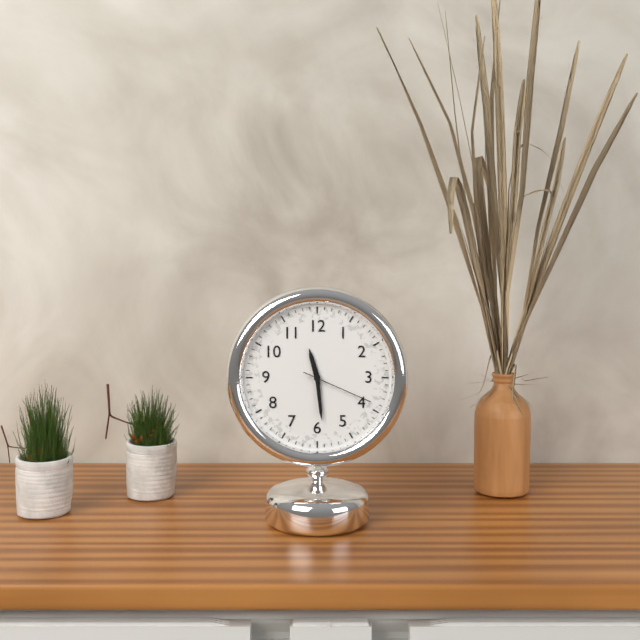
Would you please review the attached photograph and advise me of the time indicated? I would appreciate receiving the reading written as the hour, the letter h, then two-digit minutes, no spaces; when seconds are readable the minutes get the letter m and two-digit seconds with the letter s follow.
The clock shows 11h29m19s
